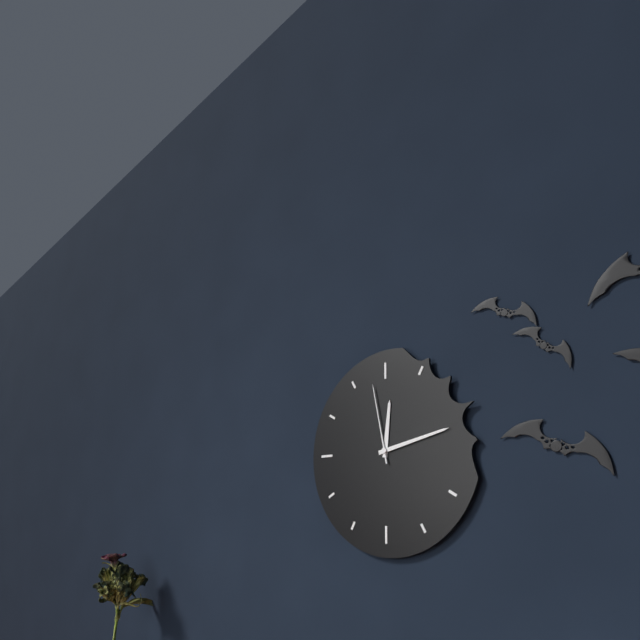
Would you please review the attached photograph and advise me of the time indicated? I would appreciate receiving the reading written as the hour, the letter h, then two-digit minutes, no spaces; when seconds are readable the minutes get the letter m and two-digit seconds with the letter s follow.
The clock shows 12h13m58s
